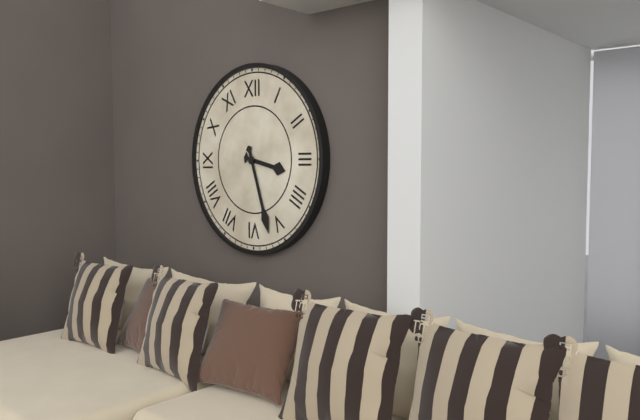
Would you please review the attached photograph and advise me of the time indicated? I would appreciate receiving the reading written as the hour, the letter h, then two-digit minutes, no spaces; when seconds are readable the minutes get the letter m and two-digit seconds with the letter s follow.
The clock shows 3h27
